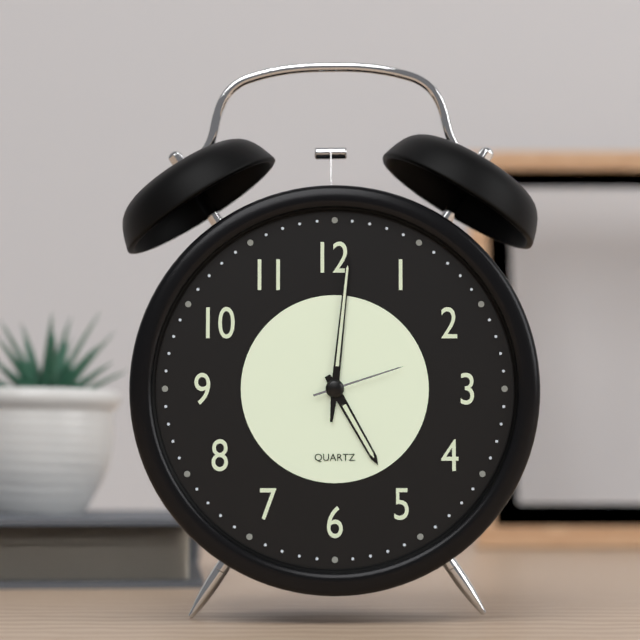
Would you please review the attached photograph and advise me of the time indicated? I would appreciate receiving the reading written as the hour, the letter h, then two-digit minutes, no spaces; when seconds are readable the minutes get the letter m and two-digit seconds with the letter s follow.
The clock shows 5h01m12s
